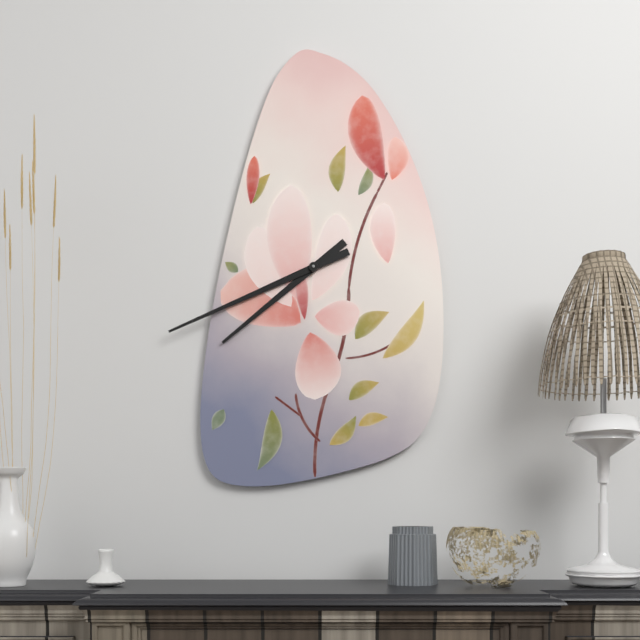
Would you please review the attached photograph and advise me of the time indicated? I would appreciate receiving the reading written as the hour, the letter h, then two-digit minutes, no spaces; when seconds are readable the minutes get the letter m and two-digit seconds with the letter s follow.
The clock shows 7h41
